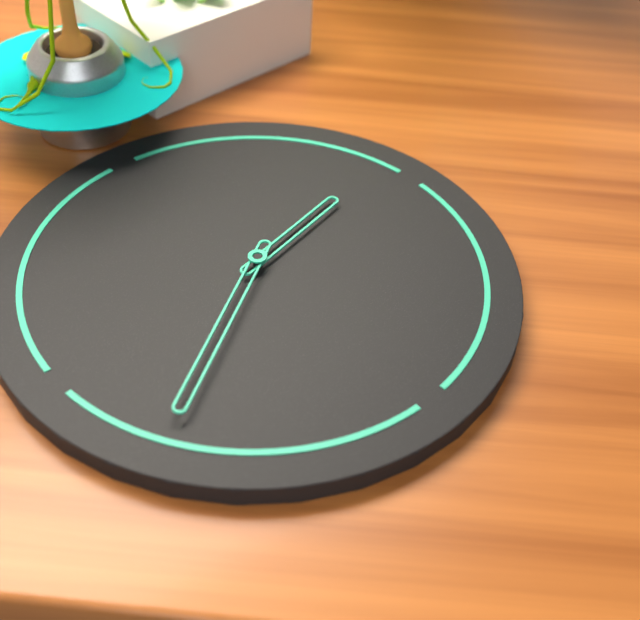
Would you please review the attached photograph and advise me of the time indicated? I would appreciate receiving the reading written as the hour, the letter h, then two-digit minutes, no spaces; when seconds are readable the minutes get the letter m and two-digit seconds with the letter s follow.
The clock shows 2h40
